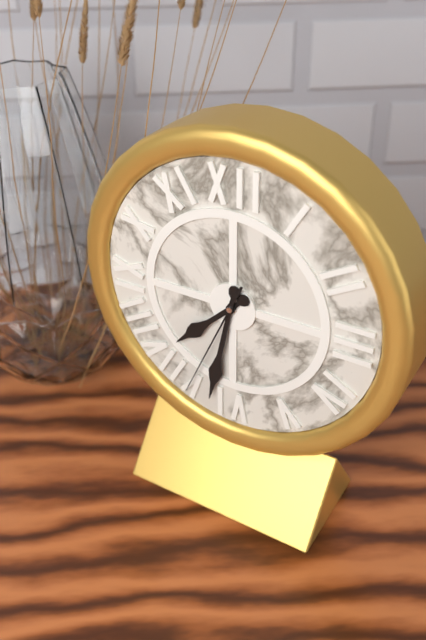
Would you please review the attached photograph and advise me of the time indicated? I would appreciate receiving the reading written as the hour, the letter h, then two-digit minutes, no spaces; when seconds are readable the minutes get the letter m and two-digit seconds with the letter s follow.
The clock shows 7h32m34s
